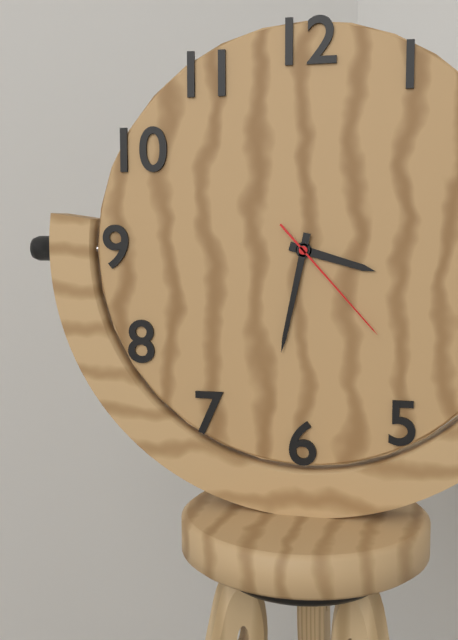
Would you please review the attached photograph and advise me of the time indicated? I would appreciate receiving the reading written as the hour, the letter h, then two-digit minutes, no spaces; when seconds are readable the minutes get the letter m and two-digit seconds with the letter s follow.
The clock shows 3h32m23s
